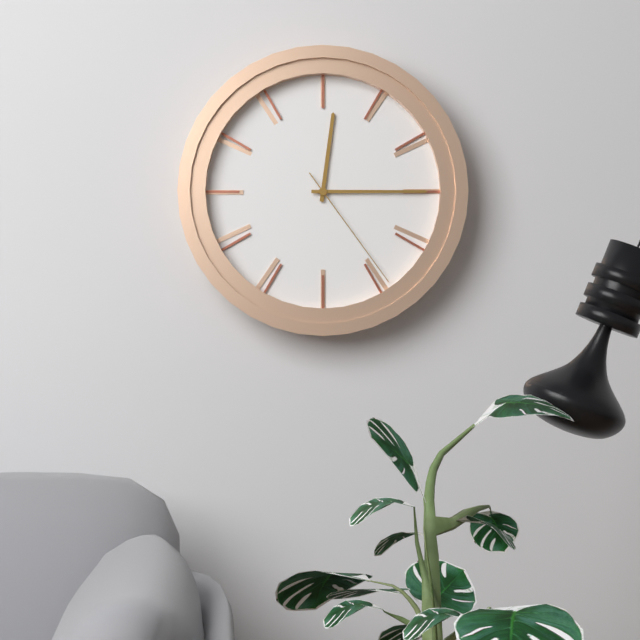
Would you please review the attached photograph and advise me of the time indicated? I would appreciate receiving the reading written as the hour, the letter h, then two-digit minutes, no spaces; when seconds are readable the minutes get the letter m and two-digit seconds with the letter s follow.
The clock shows 12h15m24s
